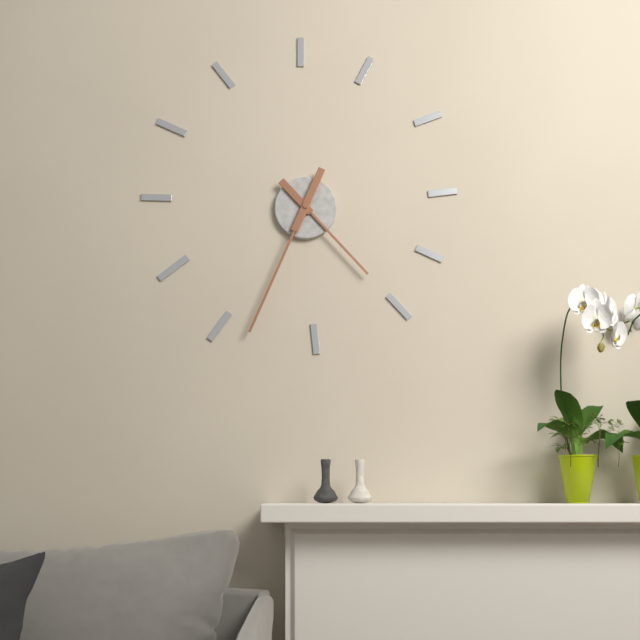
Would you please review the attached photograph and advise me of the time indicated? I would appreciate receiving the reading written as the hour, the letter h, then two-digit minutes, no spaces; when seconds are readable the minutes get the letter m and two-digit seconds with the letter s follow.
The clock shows 4h34
